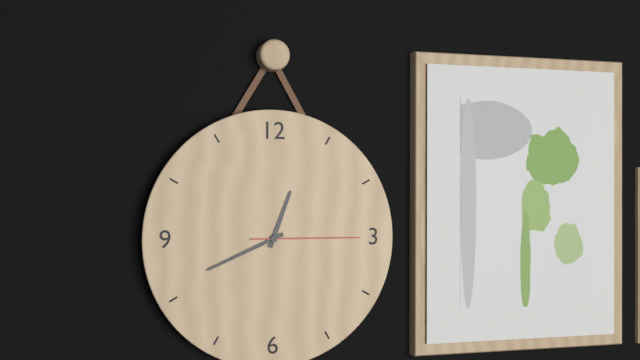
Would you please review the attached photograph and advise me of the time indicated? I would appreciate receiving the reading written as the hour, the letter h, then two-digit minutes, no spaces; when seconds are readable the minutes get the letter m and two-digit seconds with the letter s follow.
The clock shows 12h41m15s
